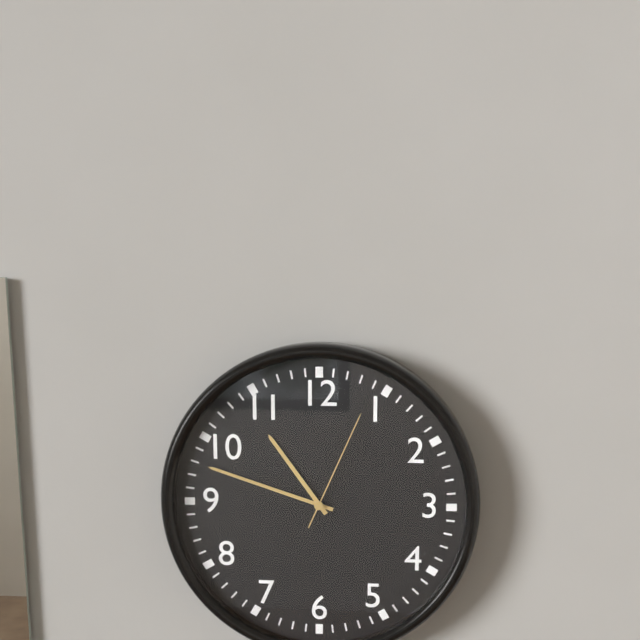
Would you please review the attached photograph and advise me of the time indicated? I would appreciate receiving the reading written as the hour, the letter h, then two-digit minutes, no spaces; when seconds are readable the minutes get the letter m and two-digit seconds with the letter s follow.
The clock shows 10h48m04s
